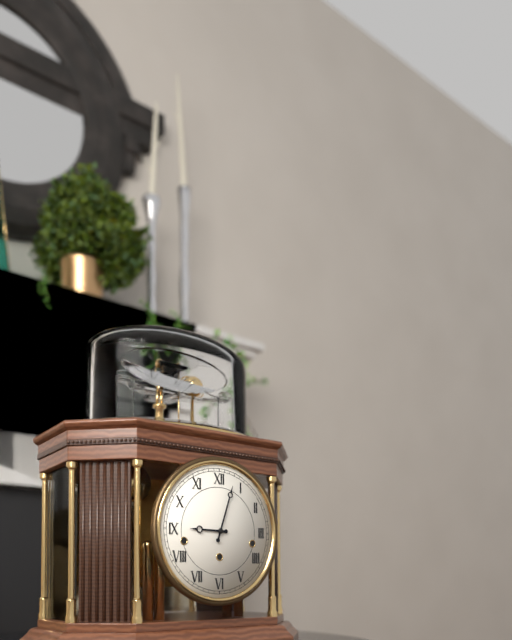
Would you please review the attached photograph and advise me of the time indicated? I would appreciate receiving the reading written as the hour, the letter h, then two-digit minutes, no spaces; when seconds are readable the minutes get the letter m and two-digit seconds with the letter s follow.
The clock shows 9h03
